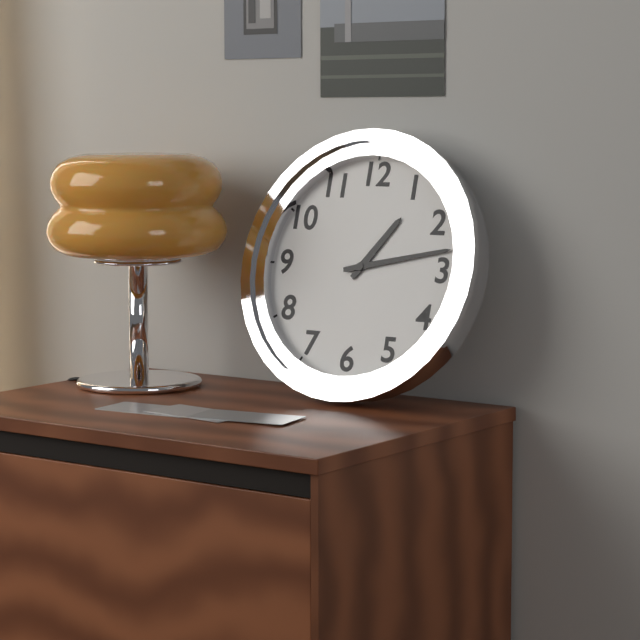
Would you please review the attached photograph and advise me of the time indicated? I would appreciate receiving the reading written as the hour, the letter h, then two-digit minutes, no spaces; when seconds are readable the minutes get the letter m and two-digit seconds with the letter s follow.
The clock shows 1h13
